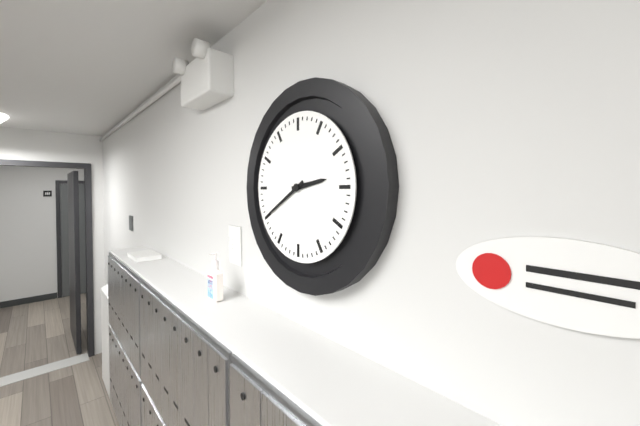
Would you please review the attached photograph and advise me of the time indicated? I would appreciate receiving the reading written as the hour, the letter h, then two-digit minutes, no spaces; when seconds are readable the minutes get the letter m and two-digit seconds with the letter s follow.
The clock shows 2h40
